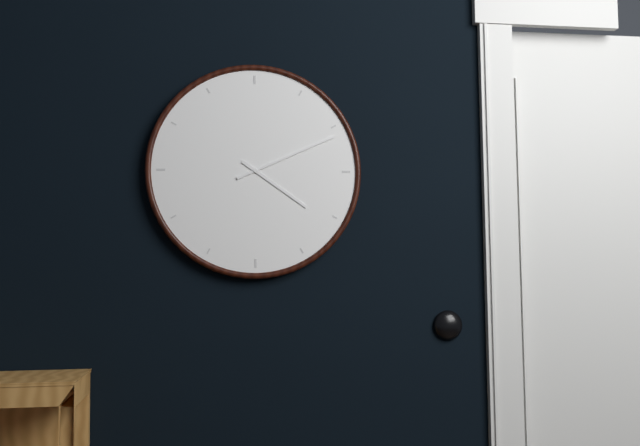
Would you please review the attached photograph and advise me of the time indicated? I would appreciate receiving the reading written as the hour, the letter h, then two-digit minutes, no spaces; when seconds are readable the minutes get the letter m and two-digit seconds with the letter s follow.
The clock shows 4h11
